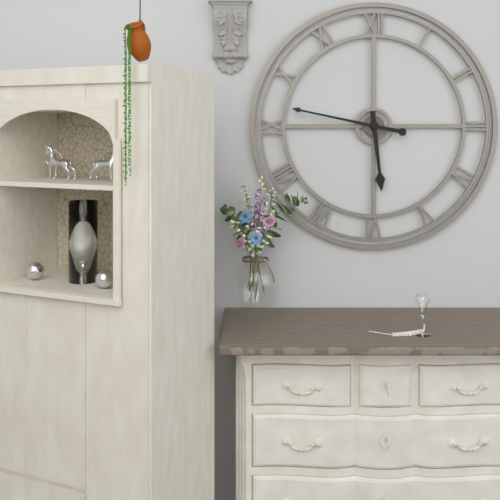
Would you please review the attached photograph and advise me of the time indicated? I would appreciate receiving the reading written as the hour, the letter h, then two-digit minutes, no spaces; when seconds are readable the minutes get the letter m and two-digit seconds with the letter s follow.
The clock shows 5h47
